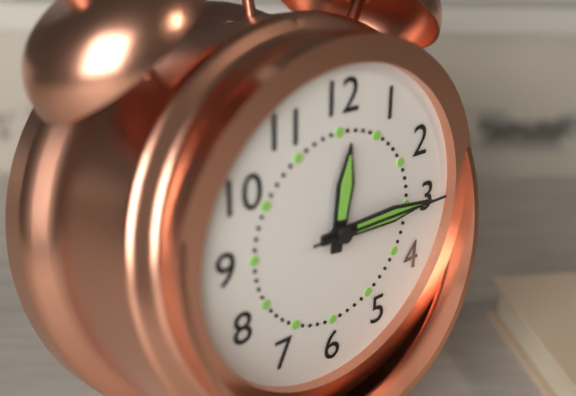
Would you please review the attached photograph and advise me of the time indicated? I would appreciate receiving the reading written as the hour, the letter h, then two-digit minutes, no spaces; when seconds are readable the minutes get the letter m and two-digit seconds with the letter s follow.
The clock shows 12h15m15s
